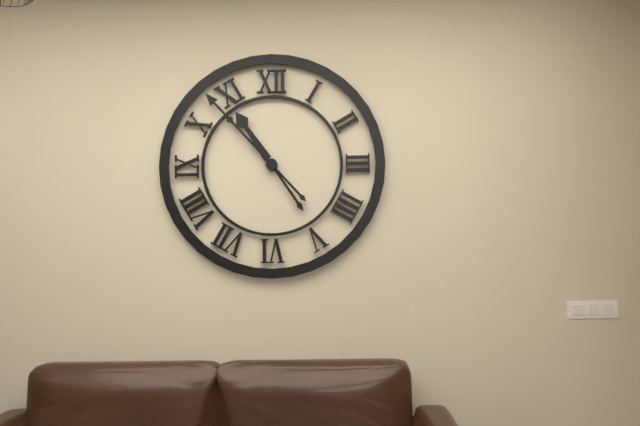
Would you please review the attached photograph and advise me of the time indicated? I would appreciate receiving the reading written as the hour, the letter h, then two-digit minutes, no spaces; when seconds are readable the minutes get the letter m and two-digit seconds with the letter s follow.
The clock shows 10h53
